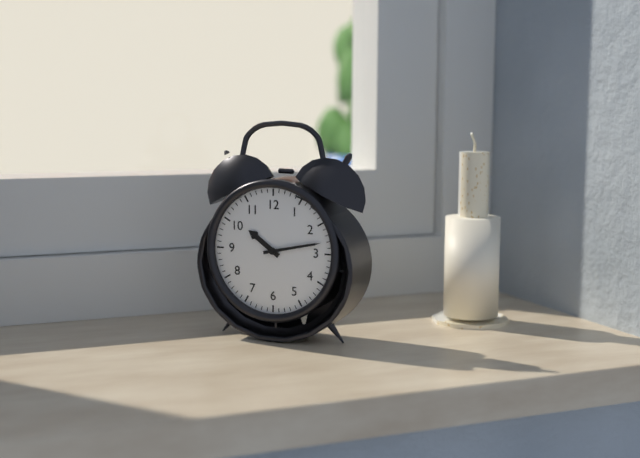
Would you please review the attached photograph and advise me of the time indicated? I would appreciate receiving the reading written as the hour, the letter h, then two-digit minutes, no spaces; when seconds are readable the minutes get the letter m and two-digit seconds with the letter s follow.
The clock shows 10h13
